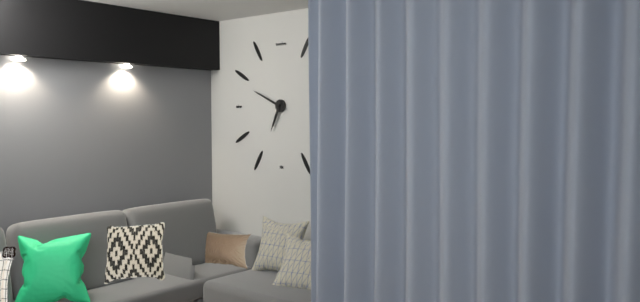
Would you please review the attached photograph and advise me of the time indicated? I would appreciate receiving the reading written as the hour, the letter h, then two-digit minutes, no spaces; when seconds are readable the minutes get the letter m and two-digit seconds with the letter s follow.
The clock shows 6h49
